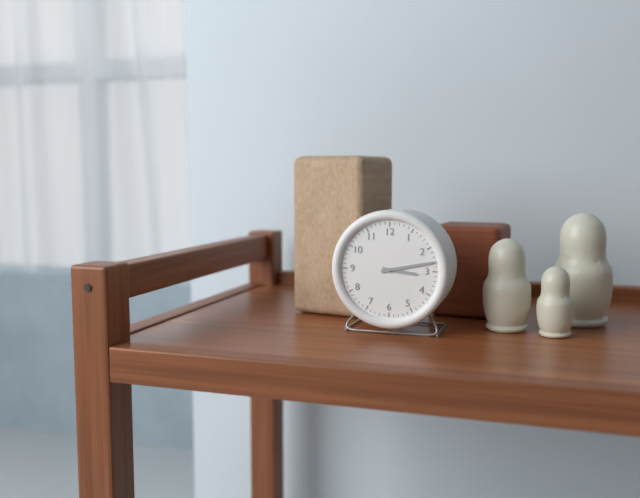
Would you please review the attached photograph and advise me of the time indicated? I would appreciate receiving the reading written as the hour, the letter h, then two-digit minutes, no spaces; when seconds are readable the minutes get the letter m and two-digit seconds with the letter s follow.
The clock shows 3h13
